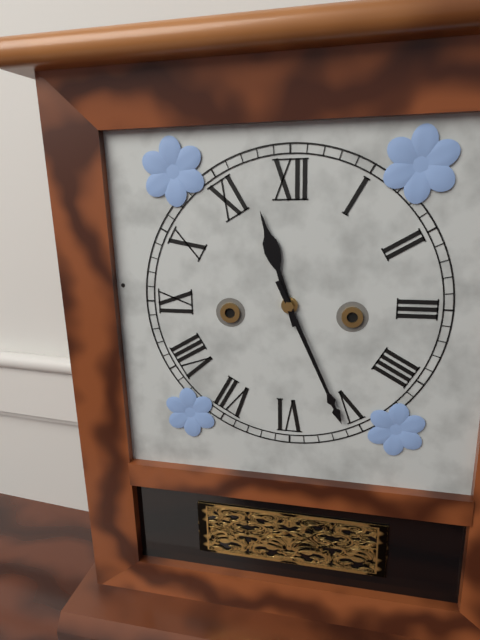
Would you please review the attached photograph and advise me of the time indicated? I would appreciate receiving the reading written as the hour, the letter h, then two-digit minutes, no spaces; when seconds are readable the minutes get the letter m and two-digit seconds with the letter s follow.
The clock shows 11h26
